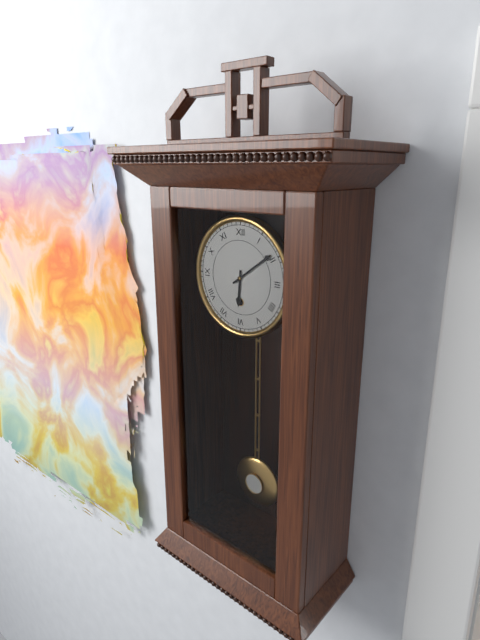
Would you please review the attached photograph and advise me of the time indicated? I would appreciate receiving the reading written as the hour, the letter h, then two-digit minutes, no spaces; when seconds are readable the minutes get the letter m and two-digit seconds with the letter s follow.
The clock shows 6h09
